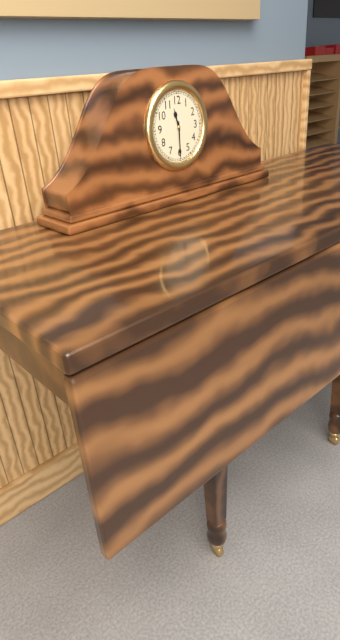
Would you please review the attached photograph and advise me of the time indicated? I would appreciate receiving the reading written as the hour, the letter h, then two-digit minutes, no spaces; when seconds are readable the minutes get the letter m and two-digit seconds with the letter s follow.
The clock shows 11h30
